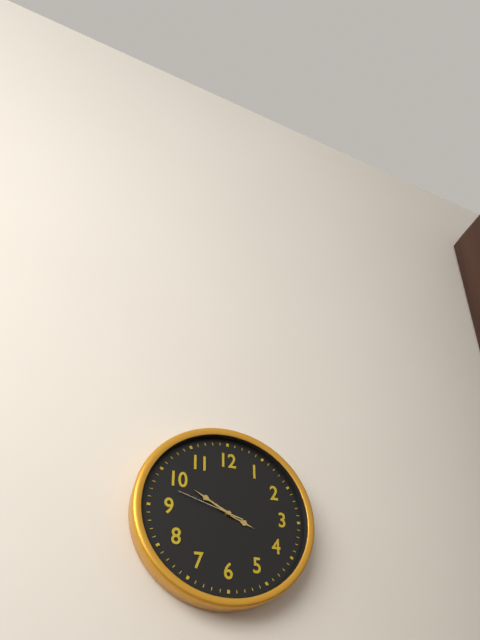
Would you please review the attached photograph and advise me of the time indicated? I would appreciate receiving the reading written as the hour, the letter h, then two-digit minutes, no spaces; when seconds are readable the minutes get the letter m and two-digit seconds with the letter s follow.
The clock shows 3h50m48s
